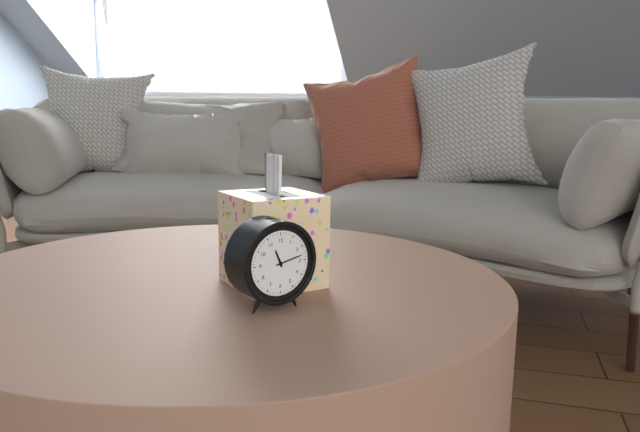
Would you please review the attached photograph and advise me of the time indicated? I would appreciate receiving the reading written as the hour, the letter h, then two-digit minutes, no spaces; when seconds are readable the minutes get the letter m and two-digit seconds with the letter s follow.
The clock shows 11h13
